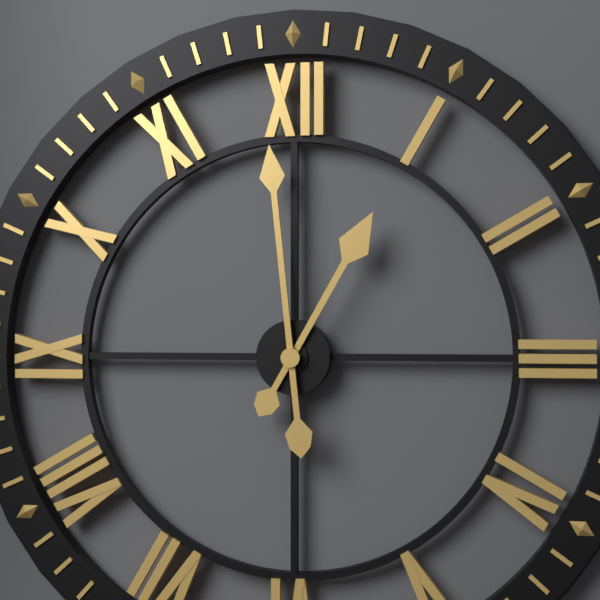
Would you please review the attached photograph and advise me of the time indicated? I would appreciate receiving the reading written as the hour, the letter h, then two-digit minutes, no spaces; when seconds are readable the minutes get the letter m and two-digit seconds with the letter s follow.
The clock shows 12h59
